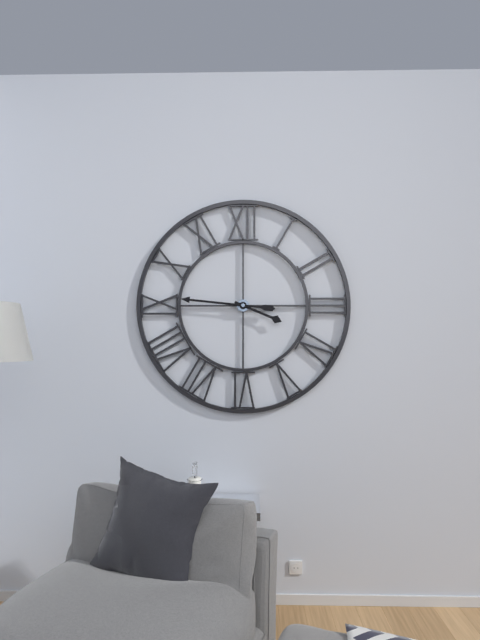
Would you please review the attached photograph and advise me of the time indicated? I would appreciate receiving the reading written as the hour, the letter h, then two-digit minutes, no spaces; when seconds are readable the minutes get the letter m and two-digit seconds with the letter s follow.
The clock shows 3h46
